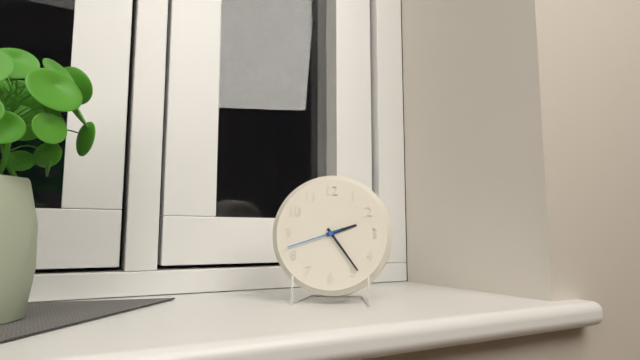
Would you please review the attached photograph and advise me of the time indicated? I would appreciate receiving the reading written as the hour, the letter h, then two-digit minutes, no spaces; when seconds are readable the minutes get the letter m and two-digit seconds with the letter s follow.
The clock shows 2h24m42s
